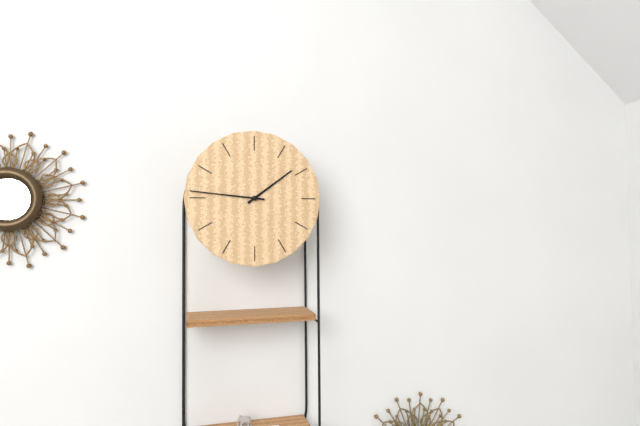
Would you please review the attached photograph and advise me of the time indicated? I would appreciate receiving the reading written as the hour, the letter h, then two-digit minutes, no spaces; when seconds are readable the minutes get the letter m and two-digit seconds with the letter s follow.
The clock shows 1h46
